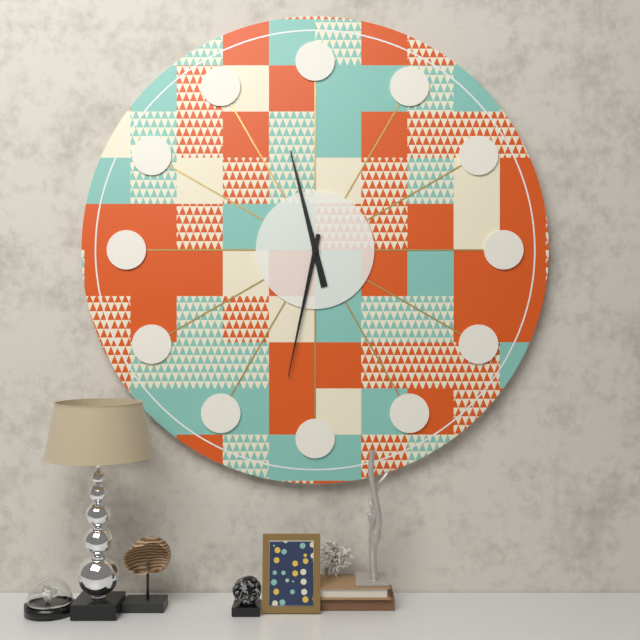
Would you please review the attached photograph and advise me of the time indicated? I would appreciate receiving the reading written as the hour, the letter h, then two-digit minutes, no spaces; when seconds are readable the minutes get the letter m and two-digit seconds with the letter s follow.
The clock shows 11h32
